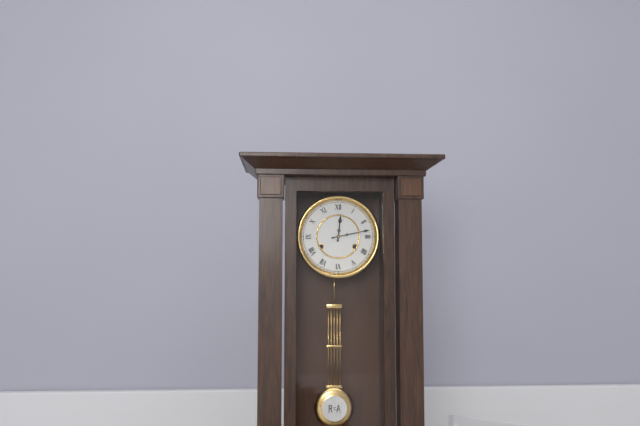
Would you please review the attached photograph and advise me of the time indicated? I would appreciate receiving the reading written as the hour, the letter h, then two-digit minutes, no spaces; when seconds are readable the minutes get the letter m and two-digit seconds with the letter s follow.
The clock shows 12h13
